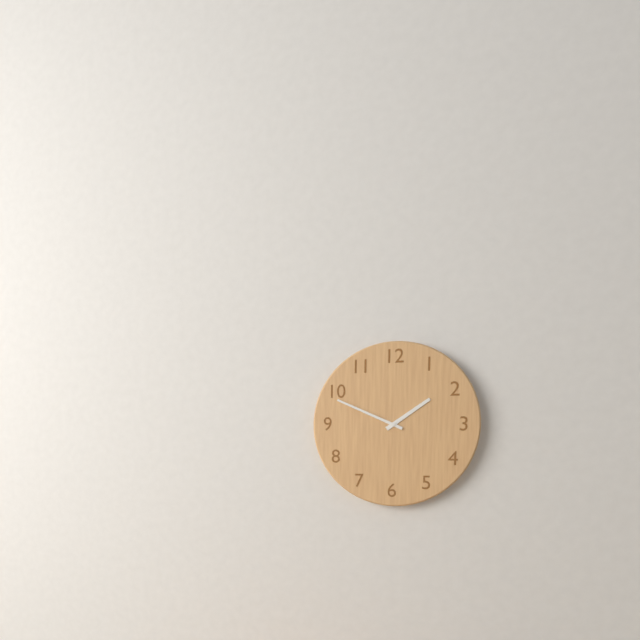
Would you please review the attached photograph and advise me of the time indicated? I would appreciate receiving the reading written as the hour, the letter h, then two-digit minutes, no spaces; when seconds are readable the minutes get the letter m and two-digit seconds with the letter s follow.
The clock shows 1h49
